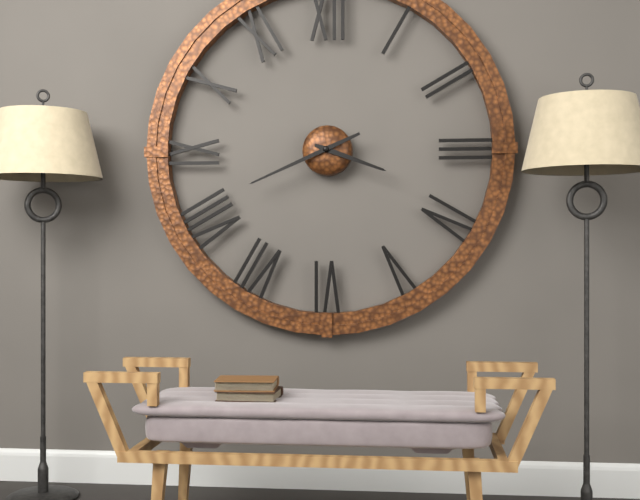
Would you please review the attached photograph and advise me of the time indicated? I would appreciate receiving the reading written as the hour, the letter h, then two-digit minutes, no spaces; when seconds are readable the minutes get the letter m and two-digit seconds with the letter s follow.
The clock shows 3h41
